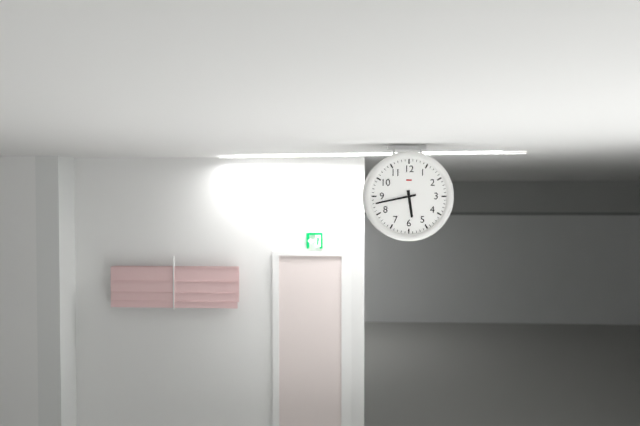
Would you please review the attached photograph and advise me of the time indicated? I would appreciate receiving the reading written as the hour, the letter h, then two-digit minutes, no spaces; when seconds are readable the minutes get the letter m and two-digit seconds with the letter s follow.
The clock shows 5h43
